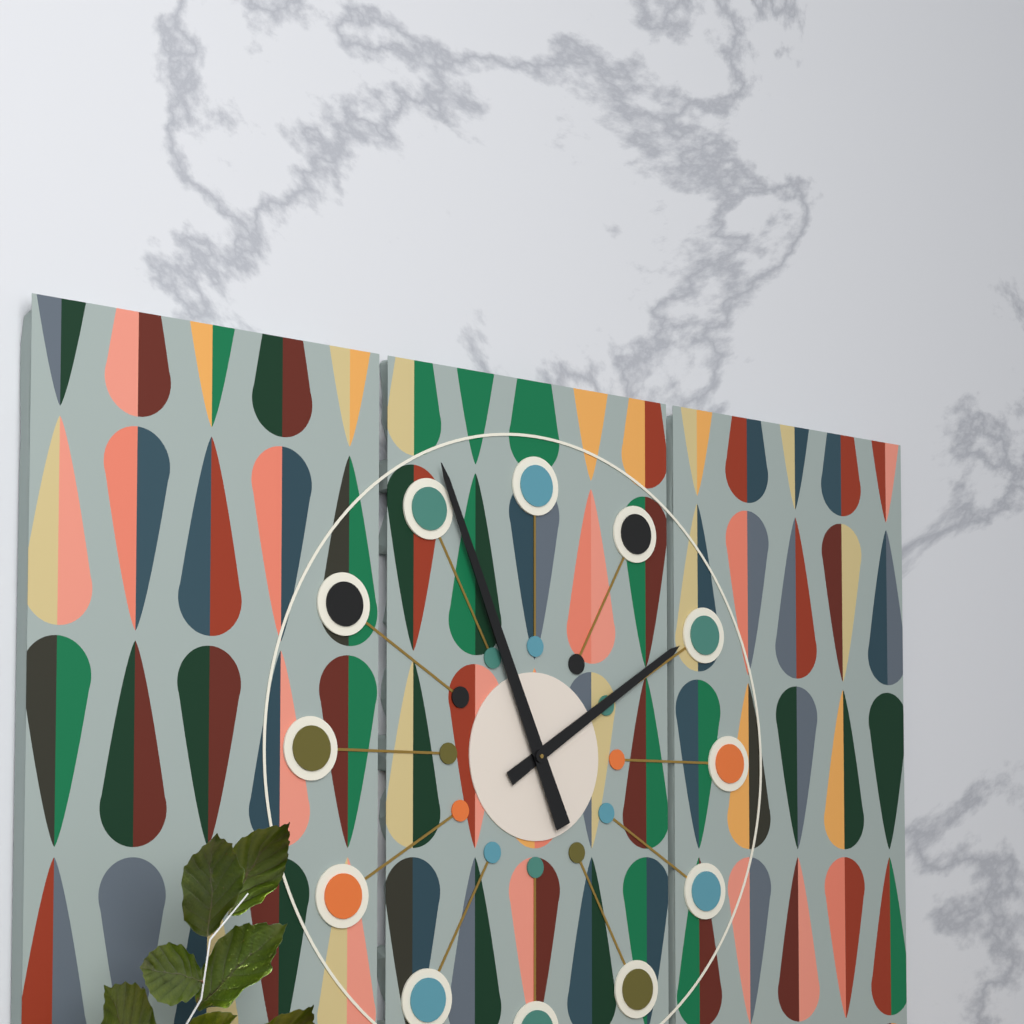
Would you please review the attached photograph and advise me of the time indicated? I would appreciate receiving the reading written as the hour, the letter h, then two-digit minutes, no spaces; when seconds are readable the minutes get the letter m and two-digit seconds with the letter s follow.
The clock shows 1h56
